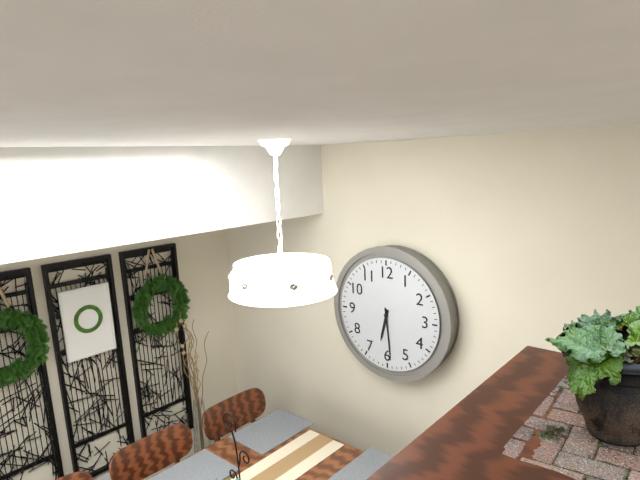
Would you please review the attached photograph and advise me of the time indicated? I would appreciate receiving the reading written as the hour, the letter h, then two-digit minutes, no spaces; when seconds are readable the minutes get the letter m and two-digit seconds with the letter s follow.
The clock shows 6h29
